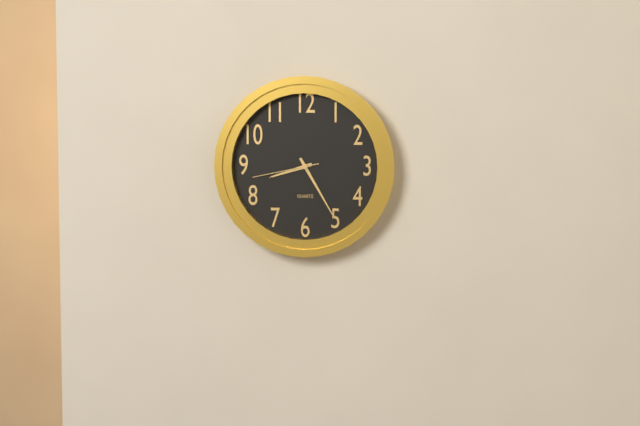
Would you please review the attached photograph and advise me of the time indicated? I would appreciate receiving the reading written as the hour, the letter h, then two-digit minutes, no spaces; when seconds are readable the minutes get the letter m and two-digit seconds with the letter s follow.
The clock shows 8h25m43s
